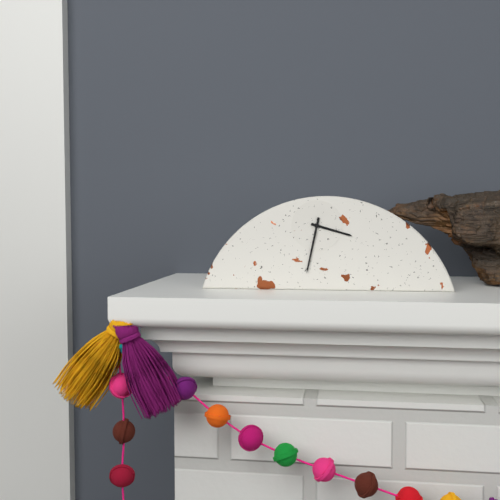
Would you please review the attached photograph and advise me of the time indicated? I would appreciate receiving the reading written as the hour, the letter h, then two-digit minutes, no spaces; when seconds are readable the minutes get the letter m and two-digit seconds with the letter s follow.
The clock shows 3h32
